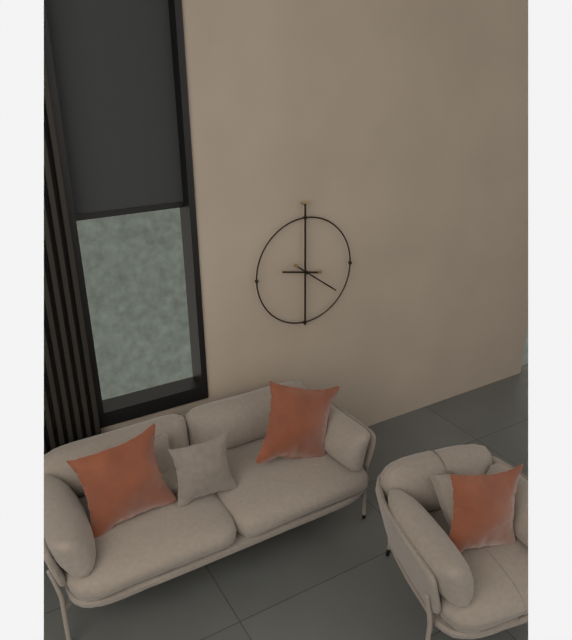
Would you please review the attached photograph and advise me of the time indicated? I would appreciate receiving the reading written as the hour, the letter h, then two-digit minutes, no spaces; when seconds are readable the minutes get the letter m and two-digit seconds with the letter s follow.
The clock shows 9h21
